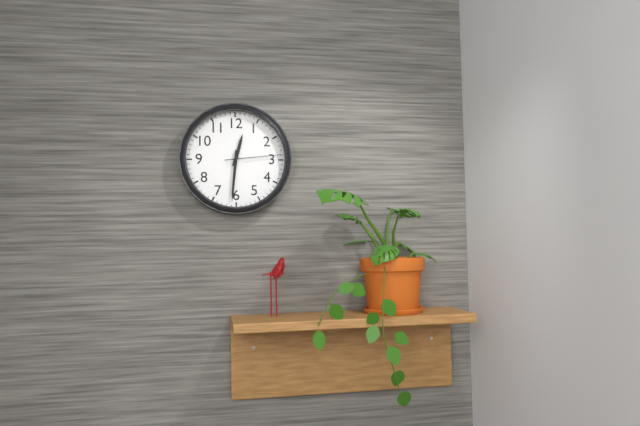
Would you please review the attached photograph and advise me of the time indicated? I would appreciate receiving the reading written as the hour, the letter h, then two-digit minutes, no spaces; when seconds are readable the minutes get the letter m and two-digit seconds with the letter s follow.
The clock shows 12h31m14s
